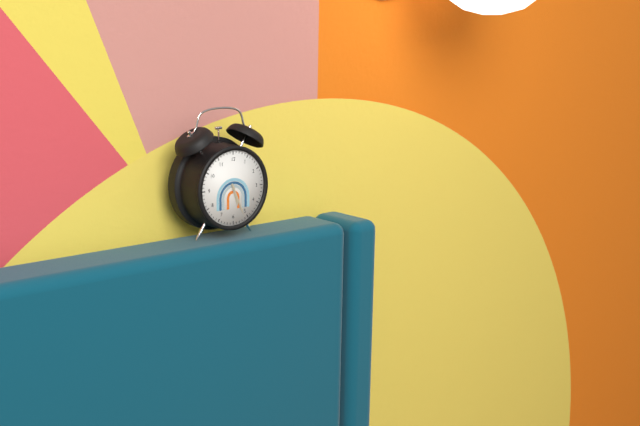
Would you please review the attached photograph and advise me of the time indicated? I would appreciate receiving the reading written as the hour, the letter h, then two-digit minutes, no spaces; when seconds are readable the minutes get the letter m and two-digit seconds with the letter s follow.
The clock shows 5h26
